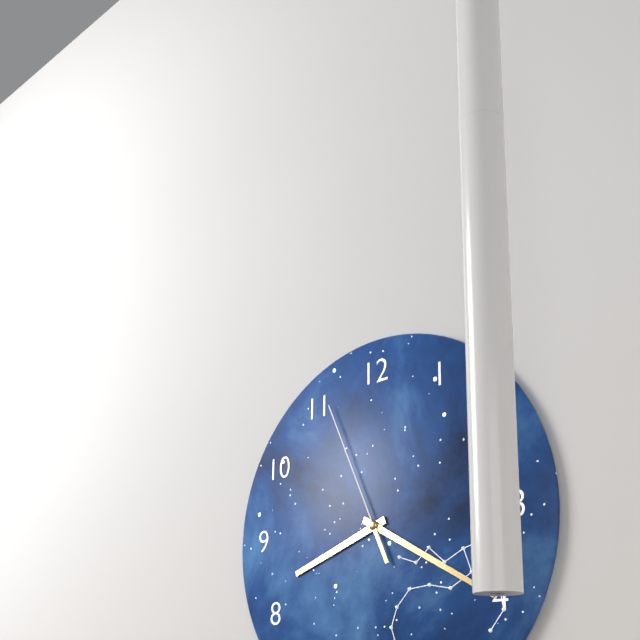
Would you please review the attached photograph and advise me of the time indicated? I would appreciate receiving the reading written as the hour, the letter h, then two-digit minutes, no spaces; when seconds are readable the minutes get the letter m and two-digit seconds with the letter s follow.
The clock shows 8h20m56s
